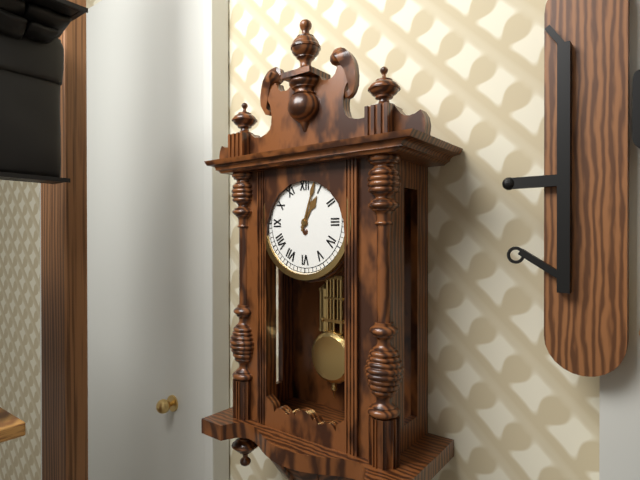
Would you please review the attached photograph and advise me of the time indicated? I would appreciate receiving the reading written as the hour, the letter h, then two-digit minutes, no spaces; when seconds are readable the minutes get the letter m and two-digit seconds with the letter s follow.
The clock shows 1h03
